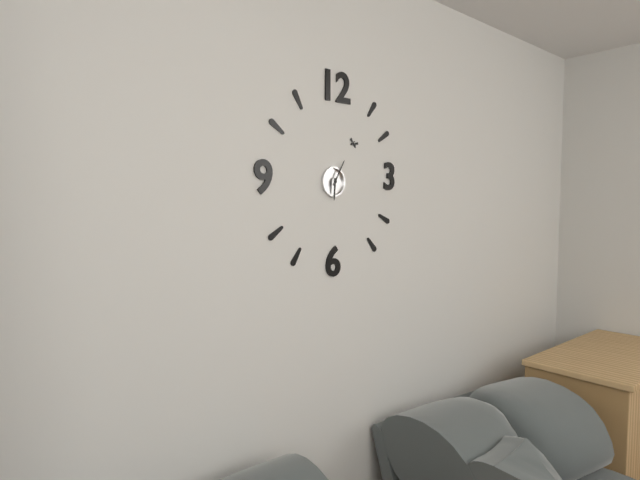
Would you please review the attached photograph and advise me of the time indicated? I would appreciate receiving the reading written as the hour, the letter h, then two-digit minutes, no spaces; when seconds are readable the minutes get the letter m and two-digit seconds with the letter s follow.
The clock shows 6h05
